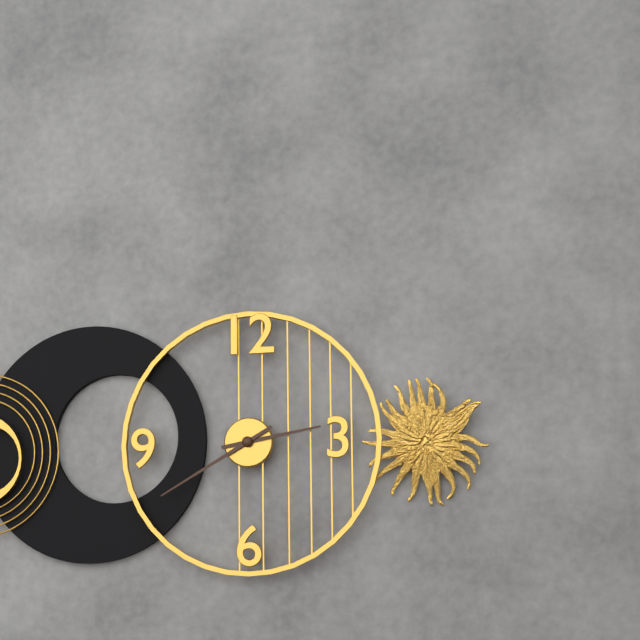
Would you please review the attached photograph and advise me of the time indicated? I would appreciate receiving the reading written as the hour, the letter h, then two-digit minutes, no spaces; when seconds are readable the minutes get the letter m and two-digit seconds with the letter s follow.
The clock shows 2h40
